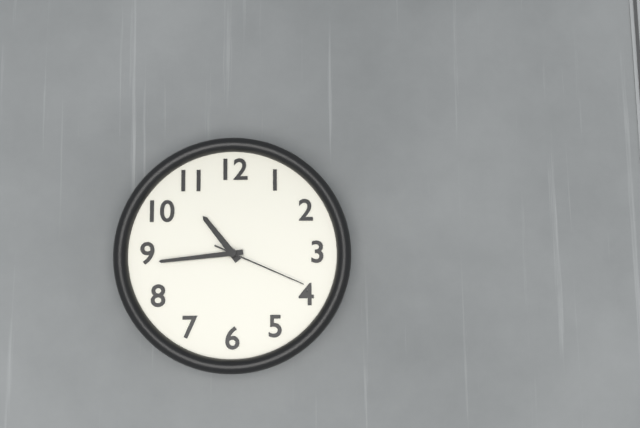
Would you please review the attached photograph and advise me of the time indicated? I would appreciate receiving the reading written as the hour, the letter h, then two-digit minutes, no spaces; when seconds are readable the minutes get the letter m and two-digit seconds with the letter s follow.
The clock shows 10h44m19s
